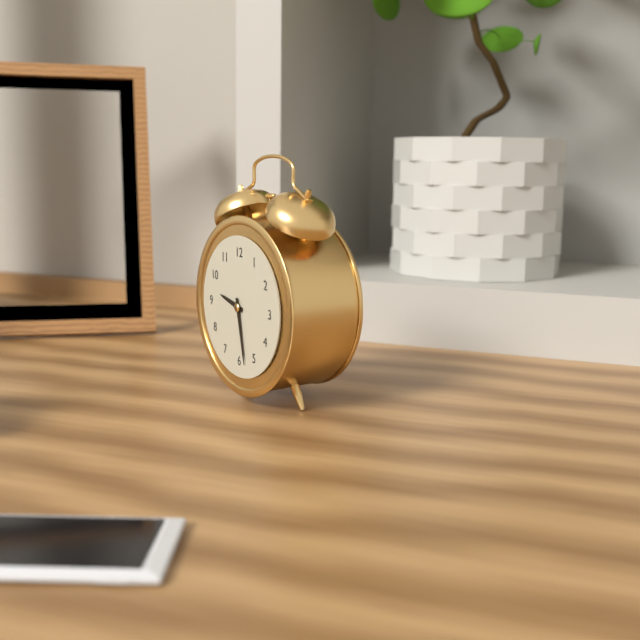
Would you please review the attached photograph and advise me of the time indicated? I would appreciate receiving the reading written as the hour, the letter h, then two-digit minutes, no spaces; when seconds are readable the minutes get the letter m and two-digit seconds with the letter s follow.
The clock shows 9h28
